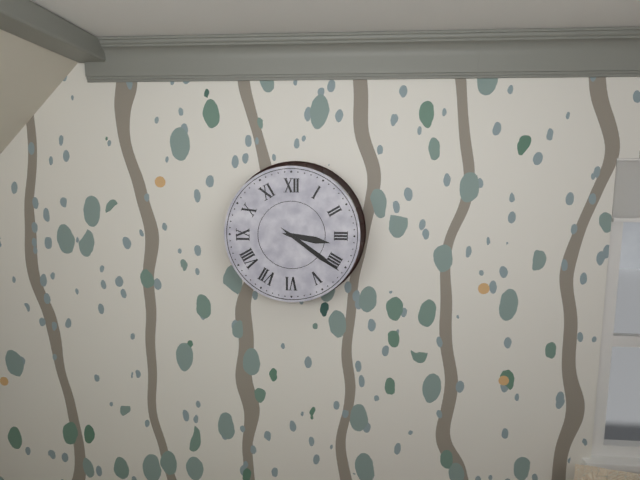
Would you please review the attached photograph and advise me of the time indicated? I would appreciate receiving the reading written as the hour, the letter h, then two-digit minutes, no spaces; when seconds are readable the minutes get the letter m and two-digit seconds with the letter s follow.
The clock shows 3h21
